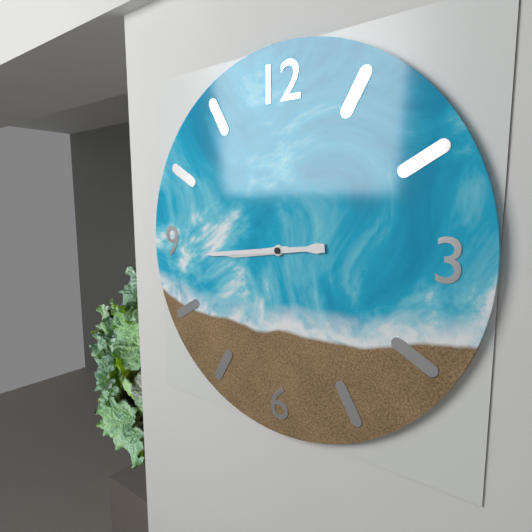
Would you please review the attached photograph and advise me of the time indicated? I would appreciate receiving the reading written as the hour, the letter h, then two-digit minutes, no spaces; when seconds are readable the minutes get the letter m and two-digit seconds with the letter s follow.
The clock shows 8h44
